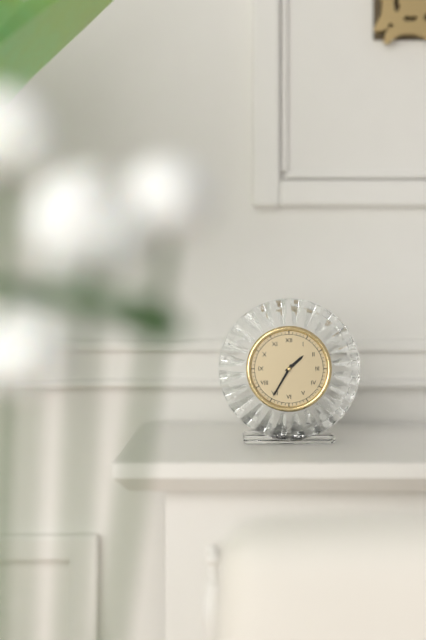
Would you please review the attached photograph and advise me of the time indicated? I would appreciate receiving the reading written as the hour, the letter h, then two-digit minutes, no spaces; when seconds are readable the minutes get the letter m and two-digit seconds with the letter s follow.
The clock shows 1h35
